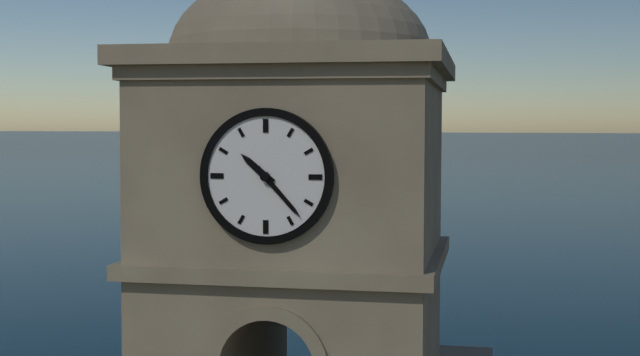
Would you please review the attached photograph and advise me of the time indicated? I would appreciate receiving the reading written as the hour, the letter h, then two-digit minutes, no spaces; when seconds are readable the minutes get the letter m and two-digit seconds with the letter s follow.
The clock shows 10h23
